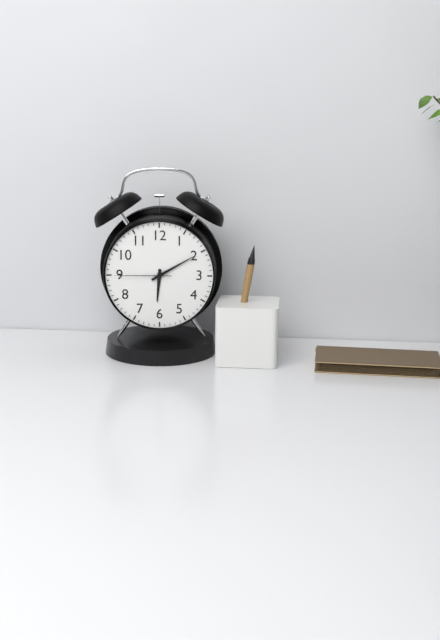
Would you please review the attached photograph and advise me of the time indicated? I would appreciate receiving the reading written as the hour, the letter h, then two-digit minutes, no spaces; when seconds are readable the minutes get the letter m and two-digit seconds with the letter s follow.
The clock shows 6h10m45s
